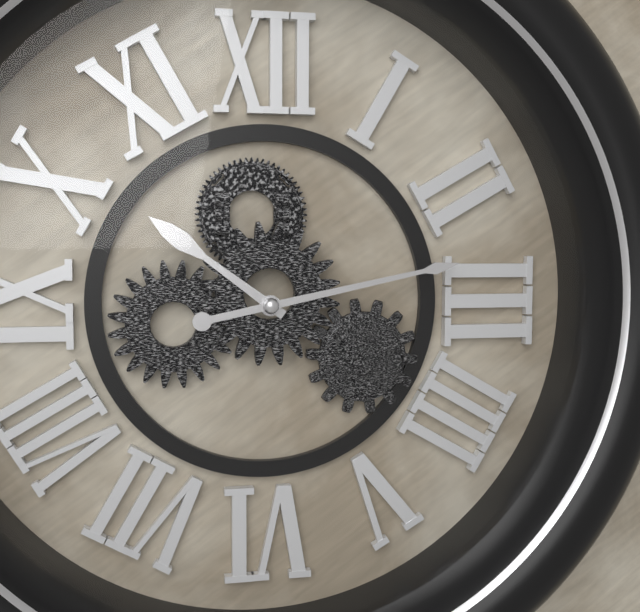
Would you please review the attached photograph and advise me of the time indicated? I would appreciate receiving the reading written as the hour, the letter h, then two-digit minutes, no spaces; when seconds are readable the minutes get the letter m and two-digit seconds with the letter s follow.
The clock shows 10h13
